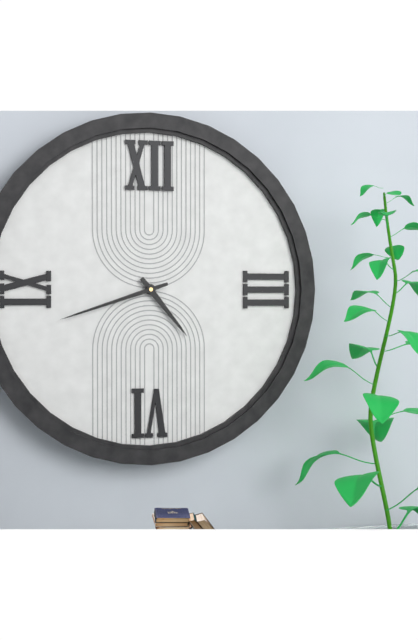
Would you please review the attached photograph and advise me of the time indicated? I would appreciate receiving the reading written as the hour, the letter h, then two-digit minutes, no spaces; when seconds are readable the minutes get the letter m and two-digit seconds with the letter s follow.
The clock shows 4h42
